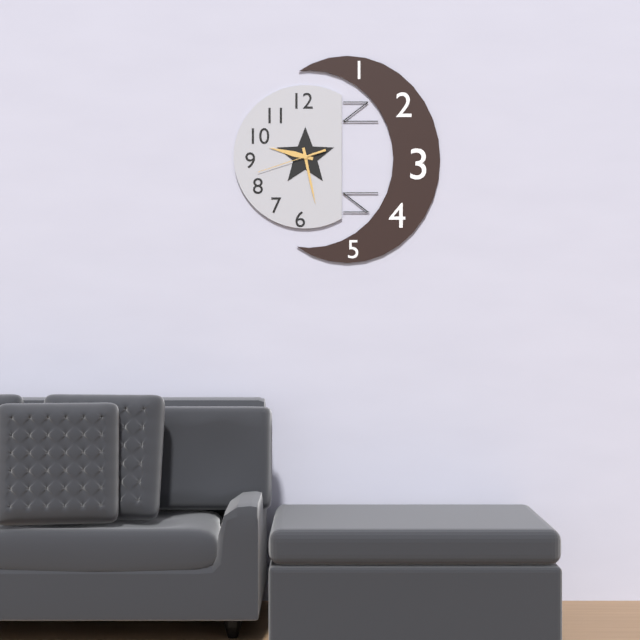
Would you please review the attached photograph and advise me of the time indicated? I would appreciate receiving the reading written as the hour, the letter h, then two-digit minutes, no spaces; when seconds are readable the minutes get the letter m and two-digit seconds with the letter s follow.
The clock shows 9h28m42s
